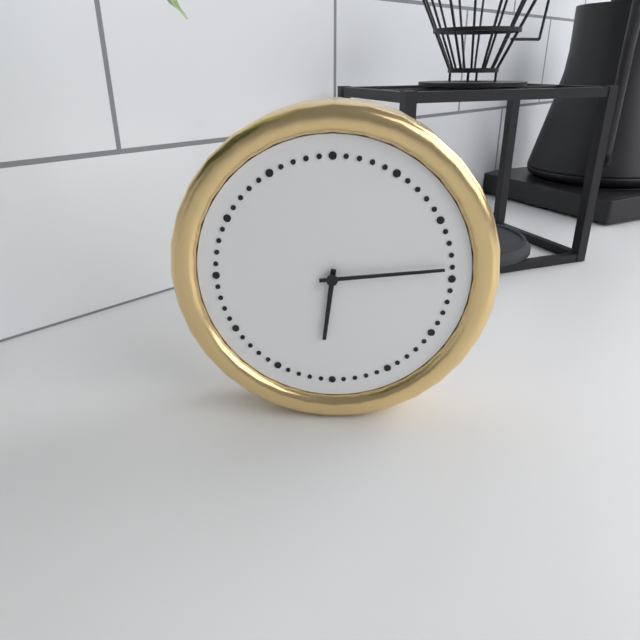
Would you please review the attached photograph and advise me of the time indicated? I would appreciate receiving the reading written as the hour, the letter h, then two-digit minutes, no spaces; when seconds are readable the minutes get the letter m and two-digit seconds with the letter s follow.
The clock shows 6h14
